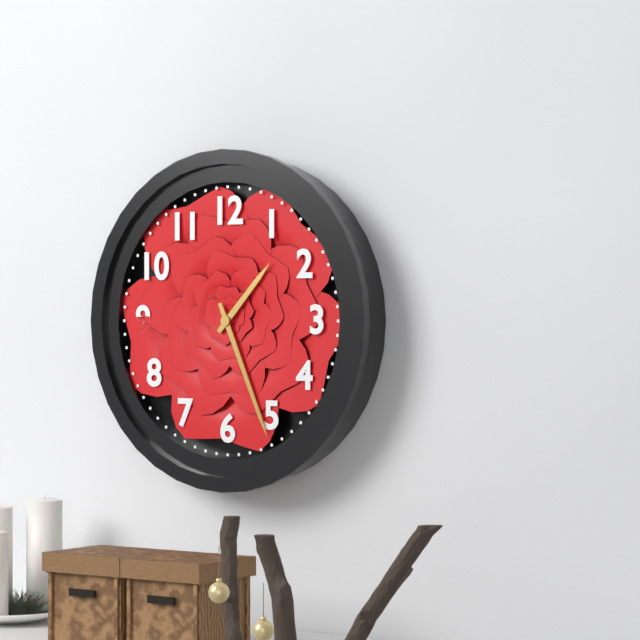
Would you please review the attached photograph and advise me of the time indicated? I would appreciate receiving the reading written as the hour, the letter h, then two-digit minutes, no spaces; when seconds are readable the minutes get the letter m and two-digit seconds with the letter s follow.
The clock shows 1h26
